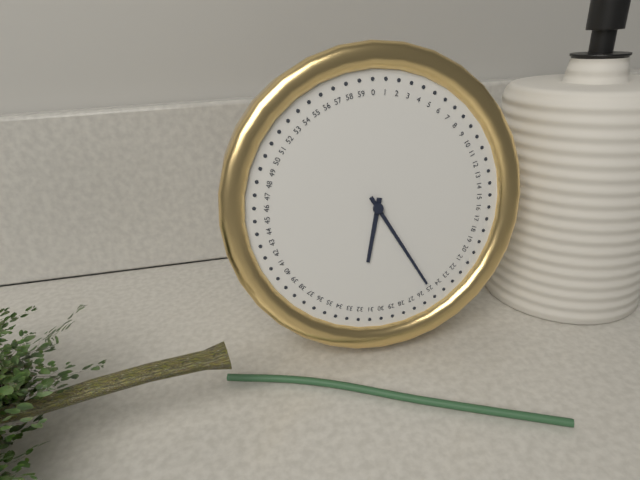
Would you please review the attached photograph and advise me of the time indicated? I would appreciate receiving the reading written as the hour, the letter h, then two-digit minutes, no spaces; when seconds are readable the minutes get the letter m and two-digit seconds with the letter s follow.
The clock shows 6h25
